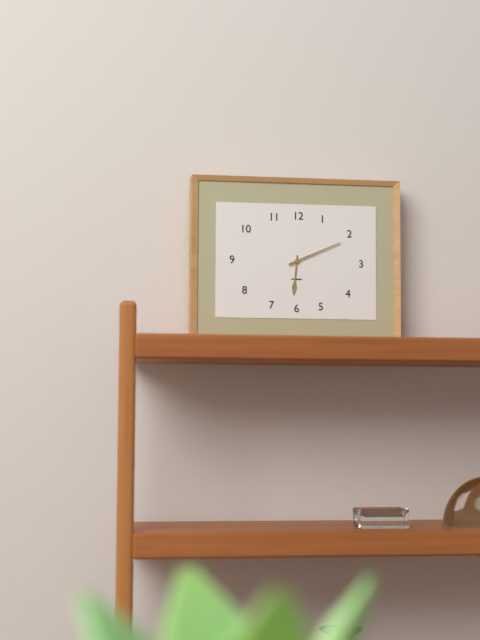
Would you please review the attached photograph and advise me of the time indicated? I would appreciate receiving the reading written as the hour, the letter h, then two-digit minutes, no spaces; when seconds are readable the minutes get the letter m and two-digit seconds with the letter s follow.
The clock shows 6h11
